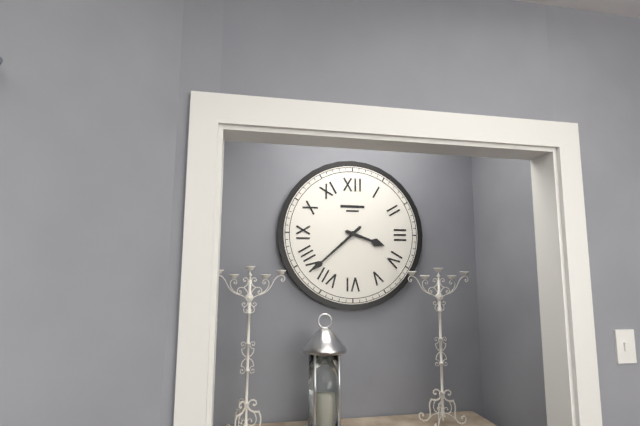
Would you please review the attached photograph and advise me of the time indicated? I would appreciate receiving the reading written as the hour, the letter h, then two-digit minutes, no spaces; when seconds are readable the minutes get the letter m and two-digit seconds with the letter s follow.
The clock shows 3h38
